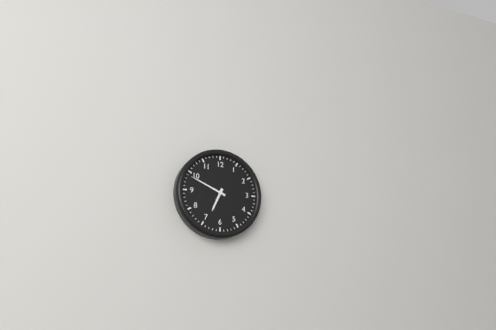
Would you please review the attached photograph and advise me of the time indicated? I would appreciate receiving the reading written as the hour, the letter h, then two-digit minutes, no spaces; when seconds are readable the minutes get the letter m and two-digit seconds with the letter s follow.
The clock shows 6h49
